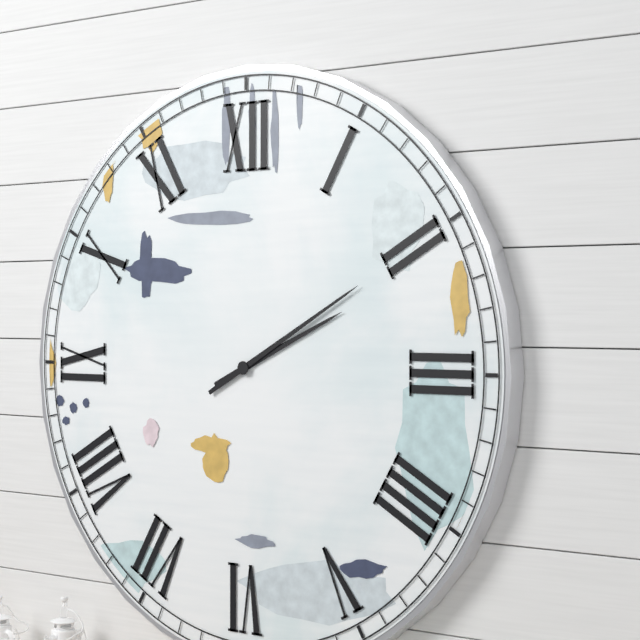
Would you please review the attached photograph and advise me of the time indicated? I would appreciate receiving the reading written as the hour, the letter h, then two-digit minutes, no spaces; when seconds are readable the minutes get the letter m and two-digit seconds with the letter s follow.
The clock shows 2h10
